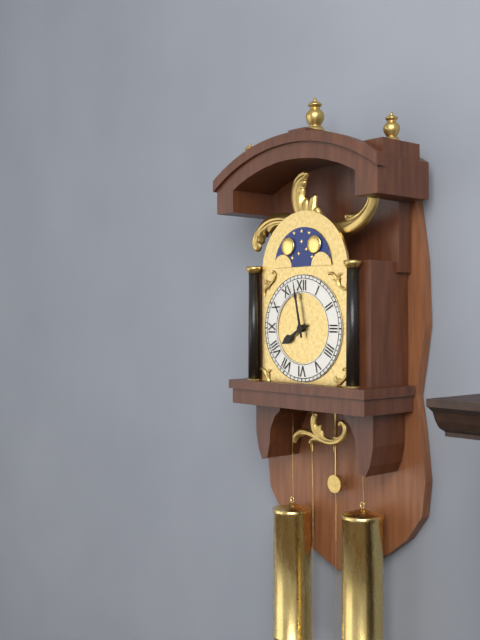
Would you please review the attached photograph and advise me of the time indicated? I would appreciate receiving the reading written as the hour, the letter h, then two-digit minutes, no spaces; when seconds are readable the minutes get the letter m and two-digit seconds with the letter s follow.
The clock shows 7h58
